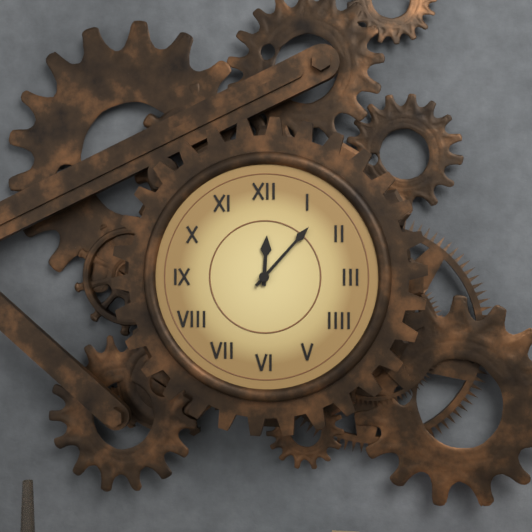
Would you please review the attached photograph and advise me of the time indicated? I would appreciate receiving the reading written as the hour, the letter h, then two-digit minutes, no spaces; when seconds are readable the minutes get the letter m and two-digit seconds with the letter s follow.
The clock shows 12h07
